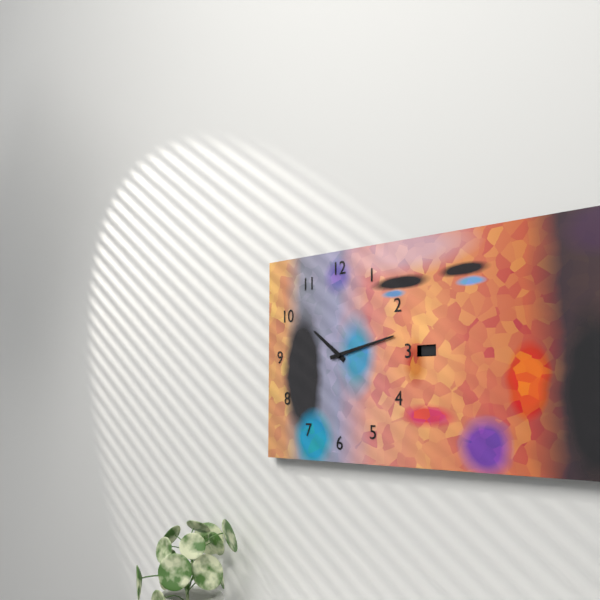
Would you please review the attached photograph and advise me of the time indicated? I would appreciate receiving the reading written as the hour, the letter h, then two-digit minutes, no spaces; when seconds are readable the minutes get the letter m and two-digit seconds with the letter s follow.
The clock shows 10h13
